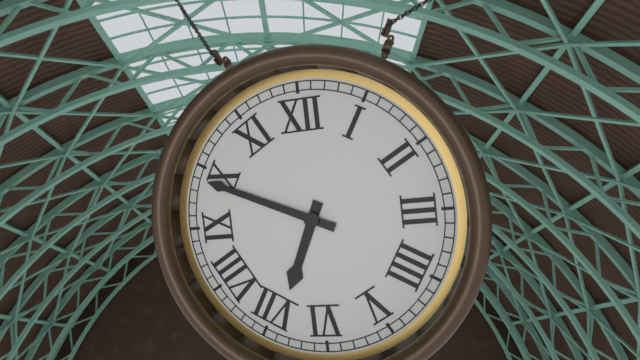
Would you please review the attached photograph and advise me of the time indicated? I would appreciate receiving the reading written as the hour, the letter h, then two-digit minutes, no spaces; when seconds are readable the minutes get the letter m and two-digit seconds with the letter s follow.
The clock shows 6h49
